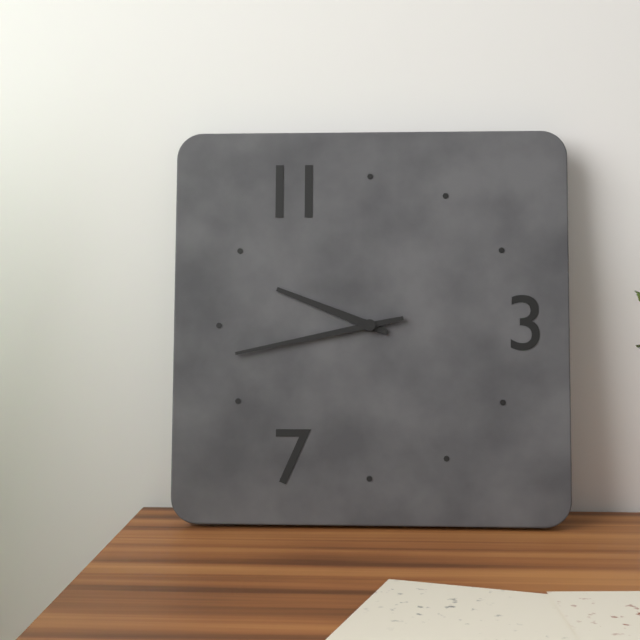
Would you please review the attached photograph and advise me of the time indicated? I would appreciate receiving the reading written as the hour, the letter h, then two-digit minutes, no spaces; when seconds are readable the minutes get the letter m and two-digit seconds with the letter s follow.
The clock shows 9h43
